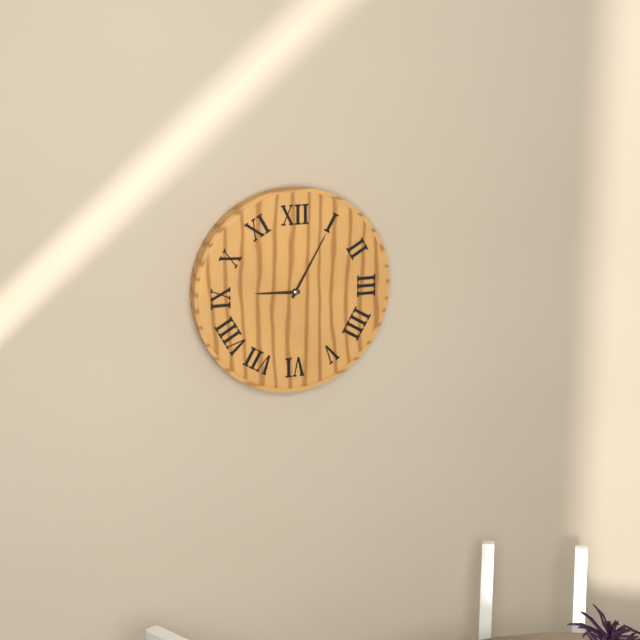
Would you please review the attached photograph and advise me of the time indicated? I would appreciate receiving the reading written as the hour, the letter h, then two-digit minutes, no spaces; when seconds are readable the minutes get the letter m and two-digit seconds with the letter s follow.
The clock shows 9h05
